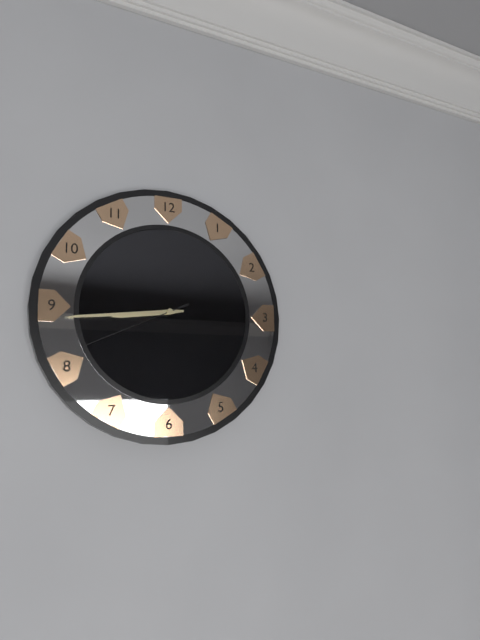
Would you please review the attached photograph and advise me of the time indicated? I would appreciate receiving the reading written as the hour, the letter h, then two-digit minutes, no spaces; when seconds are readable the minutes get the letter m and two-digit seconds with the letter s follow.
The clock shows 8h44m41s
